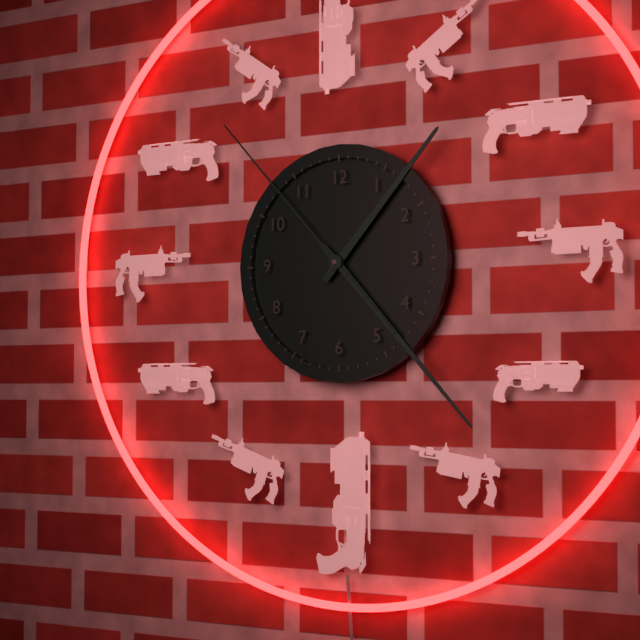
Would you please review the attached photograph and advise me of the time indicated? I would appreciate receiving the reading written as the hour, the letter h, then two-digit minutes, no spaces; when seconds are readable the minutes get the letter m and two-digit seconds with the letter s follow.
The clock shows 1h23m53s
